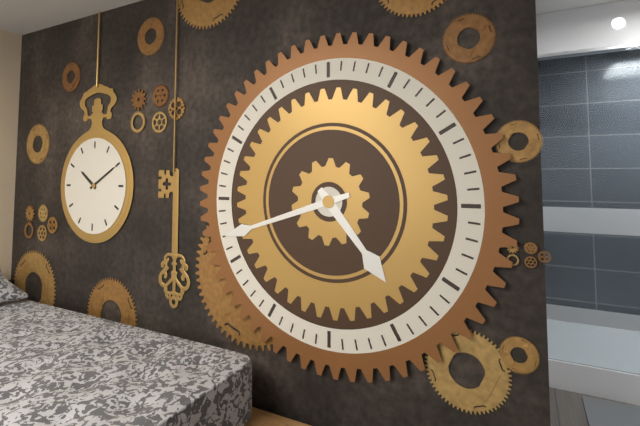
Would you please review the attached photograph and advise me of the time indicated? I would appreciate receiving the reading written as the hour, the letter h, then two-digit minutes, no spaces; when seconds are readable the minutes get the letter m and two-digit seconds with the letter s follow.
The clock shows 4h42
